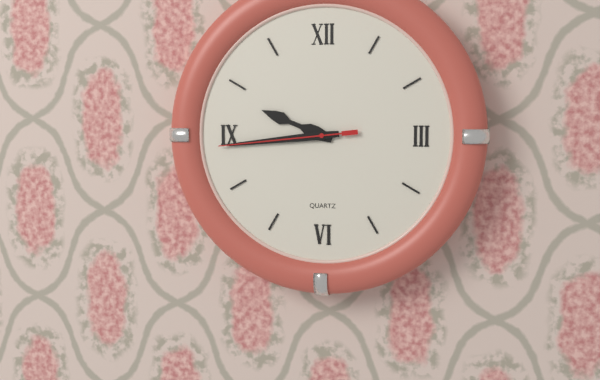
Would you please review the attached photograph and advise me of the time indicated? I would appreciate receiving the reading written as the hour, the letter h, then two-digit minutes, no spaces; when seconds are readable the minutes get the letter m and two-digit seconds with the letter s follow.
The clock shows 9h44m44s
